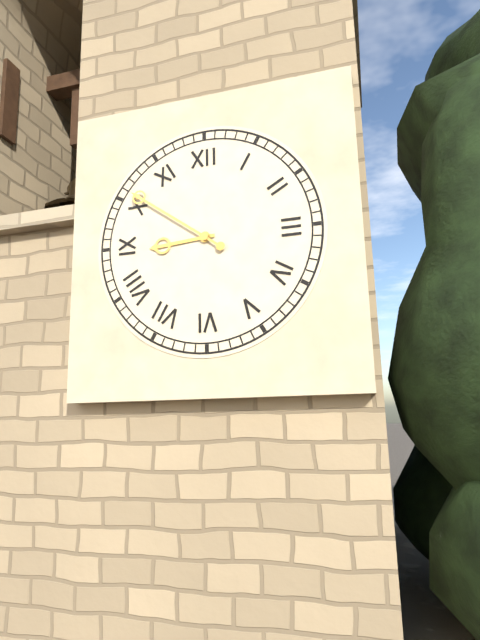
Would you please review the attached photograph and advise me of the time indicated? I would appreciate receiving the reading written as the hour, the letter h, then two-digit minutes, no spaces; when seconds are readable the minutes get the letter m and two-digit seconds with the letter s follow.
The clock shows 8h51
